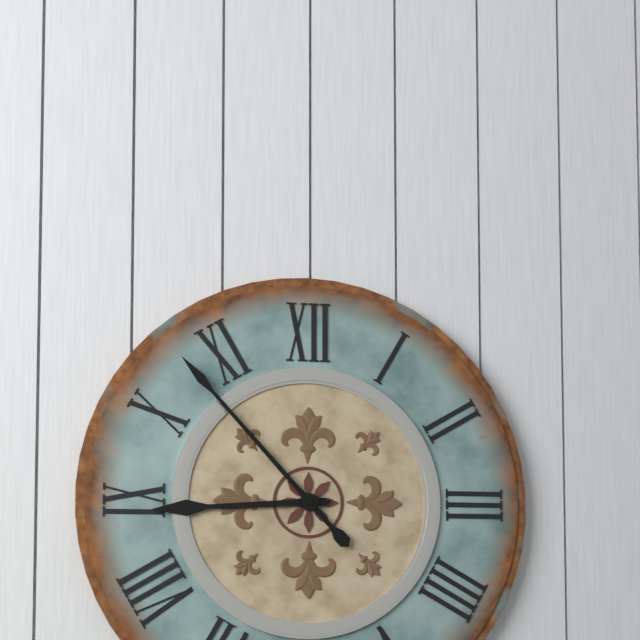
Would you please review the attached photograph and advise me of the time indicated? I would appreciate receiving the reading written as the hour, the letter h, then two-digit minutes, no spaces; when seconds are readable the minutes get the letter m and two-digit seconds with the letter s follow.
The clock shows 8h53
